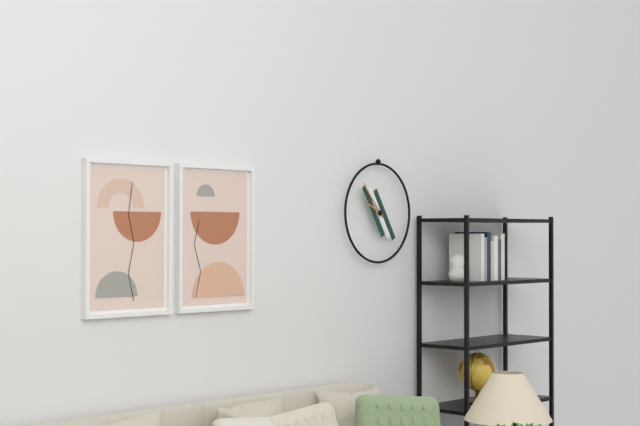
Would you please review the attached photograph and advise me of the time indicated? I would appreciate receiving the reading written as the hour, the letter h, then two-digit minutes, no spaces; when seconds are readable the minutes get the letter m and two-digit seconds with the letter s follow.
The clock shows 9h53
